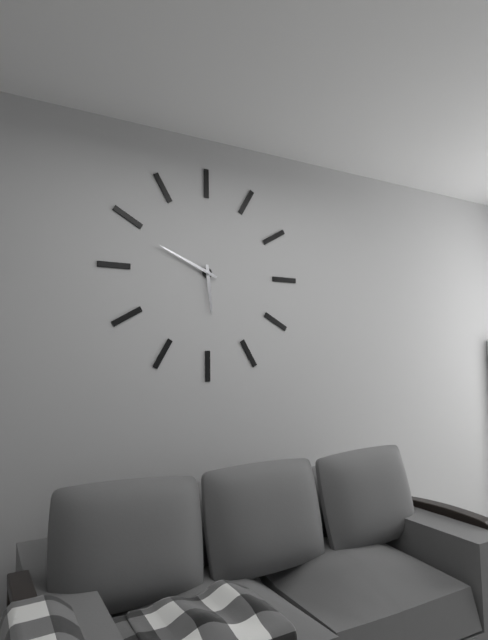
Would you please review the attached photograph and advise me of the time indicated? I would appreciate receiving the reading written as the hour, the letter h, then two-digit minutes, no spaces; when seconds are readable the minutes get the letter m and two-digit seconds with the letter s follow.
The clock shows 5h49
